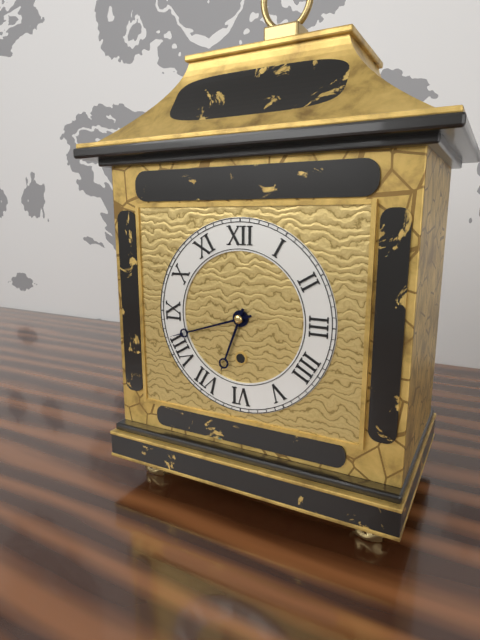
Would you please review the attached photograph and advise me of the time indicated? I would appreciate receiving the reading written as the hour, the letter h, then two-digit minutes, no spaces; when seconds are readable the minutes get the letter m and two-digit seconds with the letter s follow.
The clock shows 6h42
